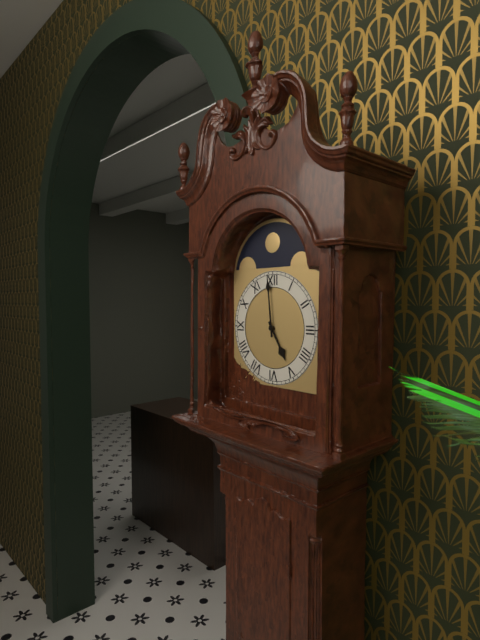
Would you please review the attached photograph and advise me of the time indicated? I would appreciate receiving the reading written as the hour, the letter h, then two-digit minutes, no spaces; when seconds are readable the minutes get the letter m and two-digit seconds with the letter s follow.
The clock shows 4h59
